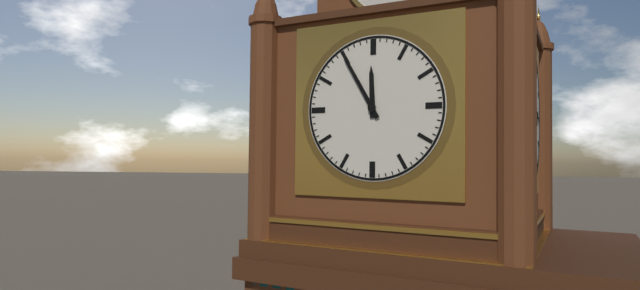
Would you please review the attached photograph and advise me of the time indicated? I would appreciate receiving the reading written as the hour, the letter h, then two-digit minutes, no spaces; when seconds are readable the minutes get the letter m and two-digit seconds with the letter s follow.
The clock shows 11h55
